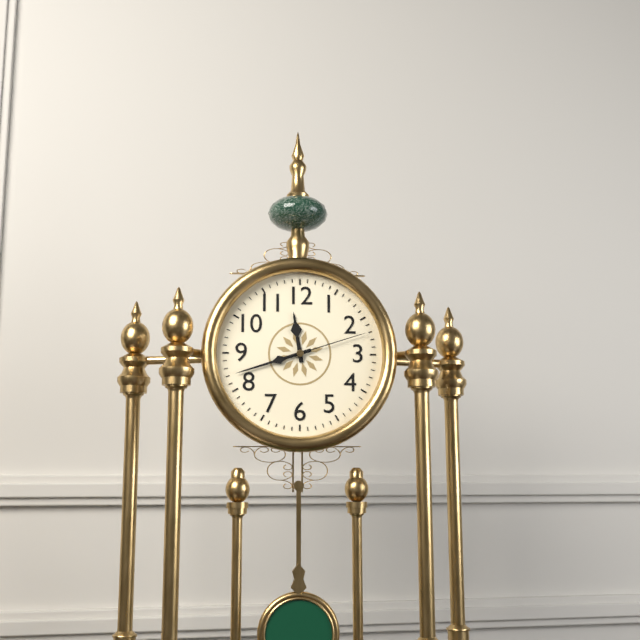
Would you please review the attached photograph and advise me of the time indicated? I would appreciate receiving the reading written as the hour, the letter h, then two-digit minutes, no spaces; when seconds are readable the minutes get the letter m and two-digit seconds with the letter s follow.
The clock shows 11h42m12s
